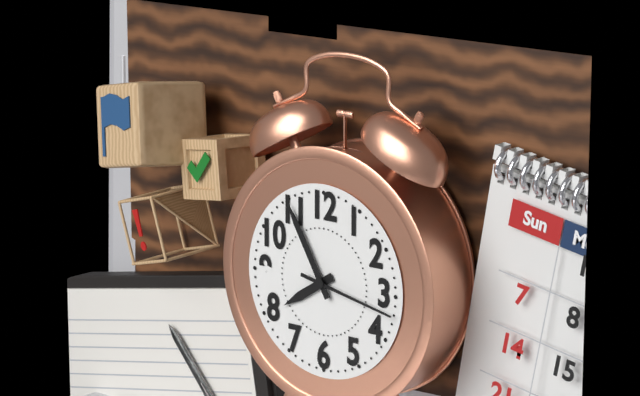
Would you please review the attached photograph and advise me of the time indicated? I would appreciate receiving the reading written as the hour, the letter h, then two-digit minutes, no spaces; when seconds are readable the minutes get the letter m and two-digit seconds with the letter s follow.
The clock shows 7h55m17s
